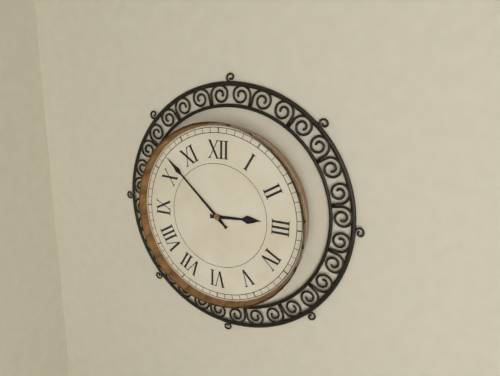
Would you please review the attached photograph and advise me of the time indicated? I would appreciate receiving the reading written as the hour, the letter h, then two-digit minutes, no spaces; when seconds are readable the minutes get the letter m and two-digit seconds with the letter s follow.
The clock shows 2h52
